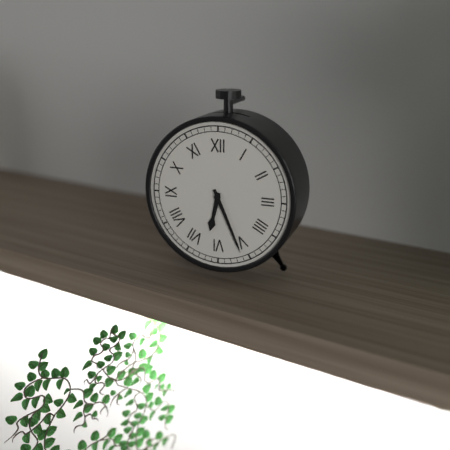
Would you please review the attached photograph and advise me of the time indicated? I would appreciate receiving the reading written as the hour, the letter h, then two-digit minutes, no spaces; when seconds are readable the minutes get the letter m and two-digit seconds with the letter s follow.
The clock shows 6h26
